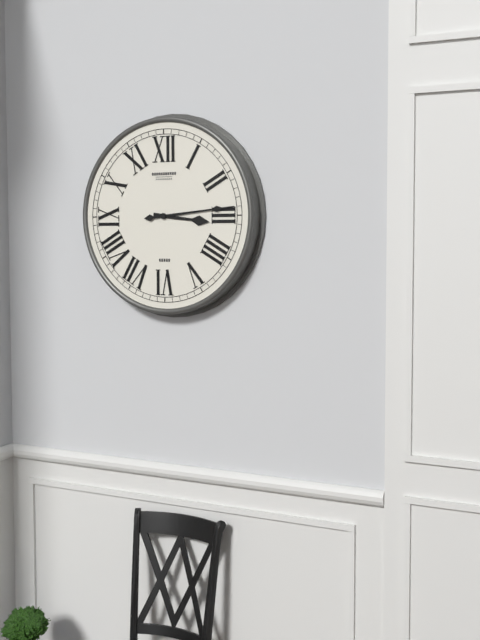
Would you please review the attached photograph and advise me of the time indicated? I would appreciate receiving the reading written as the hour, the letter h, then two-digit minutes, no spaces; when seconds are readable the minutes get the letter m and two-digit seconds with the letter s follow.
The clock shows 3h14
